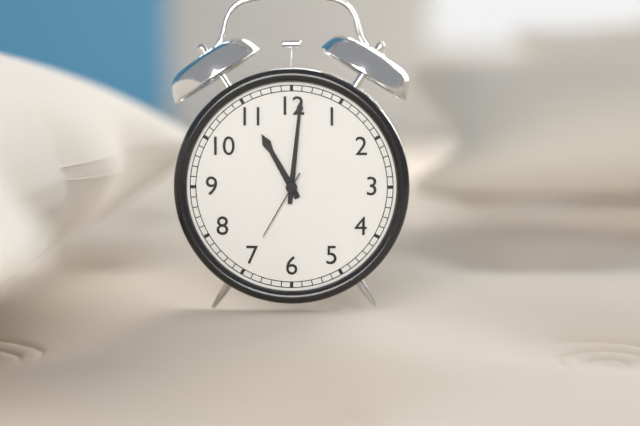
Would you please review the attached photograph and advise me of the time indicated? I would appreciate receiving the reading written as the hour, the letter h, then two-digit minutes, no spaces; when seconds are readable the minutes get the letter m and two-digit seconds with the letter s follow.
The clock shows 11h01m35s
